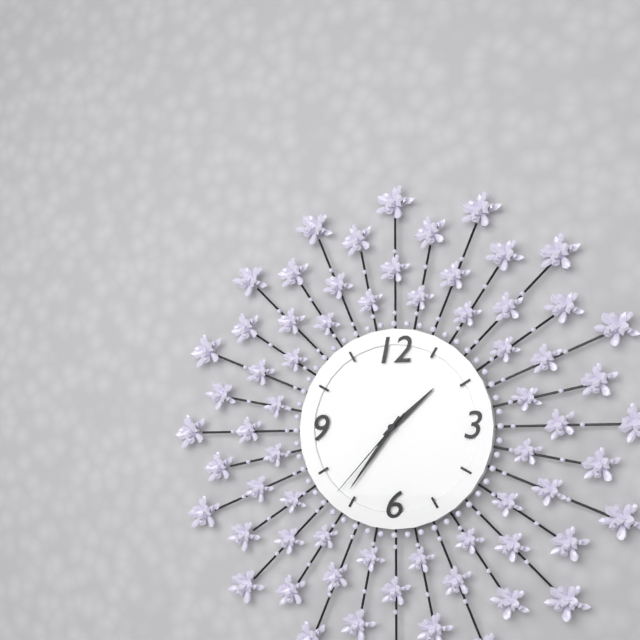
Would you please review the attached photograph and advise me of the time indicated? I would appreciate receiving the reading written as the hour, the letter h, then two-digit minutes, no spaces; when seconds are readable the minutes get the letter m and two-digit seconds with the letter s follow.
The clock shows 1h36m37s
